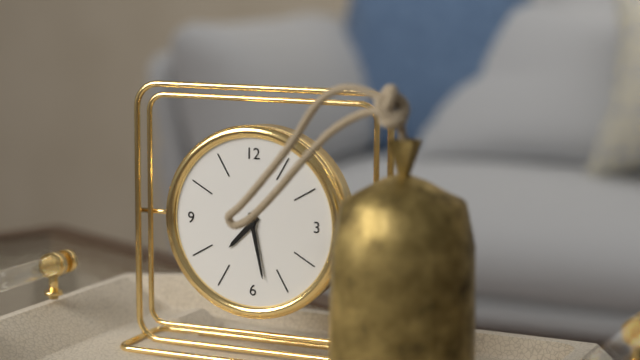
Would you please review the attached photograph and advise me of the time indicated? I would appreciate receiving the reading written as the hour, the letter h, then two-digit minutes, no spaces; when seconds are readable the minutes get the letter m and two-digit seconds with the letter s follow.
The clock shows 7h28
